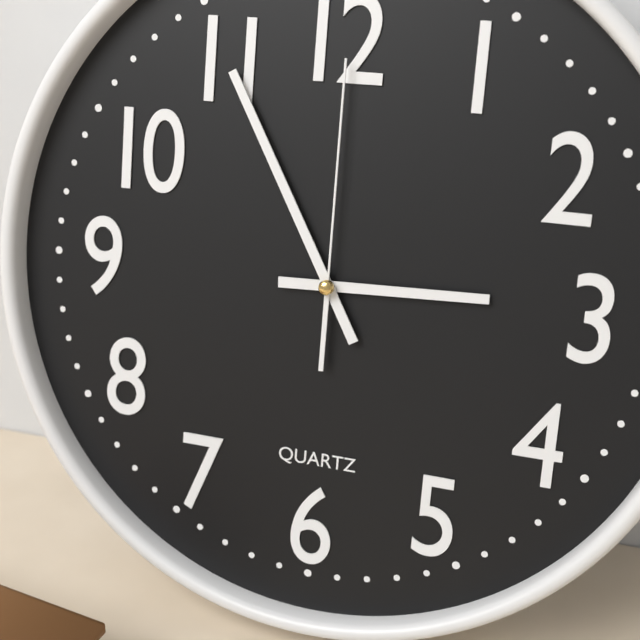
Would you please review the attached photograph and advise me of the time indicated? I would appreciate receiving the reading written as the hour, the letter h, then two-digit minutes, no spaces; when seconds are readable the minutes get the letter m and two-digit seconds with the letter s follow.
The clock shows 2h55m00s
